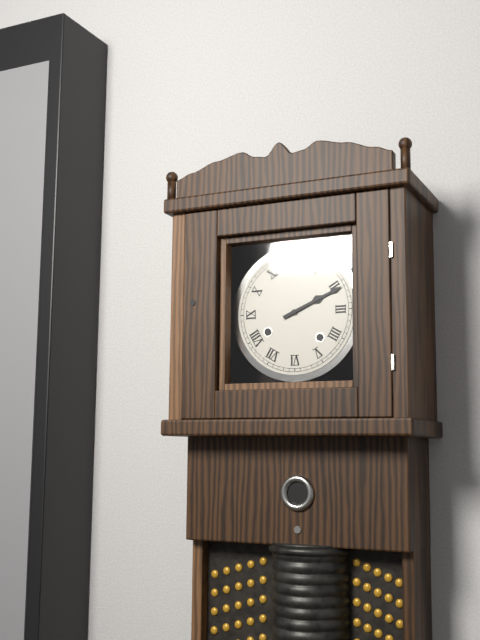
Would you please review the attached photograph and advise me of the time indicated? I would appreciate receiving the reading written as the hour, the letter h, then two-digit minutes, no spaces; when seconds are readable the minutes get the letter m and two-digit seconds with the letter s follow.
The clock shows 2h11
